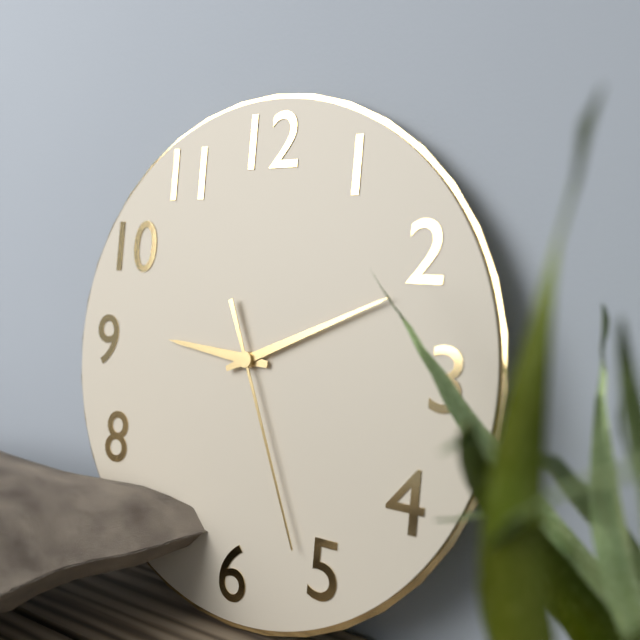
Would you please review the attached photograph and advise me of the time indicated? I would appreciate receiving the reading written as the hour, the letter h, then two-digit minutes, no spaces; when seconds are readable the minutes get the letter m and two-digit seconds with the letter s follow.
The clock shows 9h11m26s
